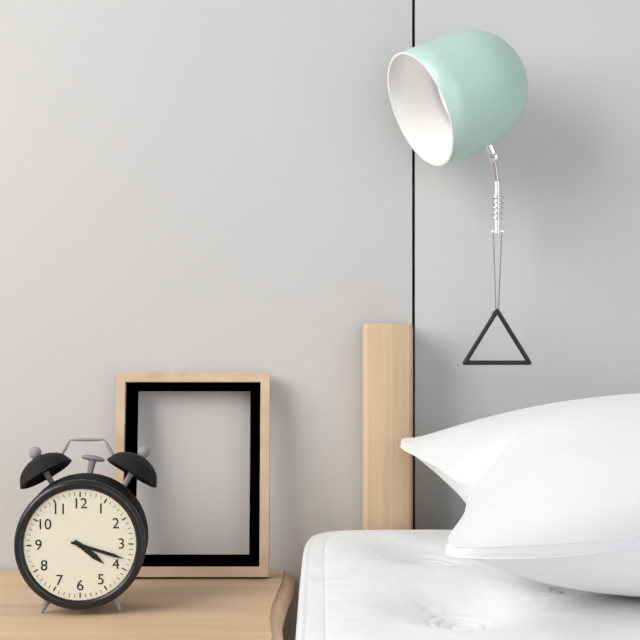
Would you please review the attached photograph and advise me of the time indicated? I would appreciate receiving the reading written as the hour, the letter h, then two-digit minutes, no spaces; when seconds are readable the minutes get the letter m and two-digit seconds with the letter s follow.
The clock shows 4h18
